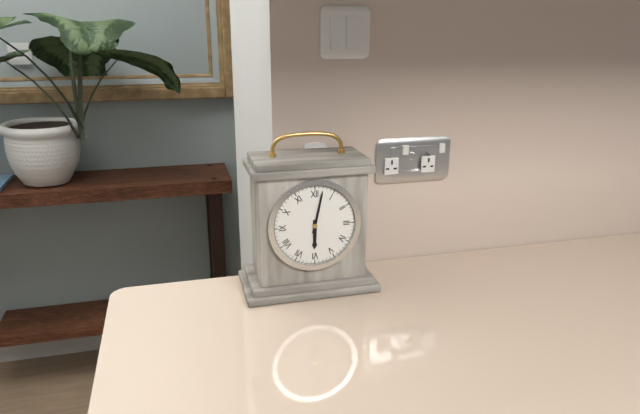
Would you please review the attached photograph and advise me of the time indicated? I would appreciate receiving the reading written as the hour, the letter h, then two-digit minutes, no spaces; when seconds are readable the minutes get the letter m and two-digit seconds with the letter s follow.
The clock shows 6h02
